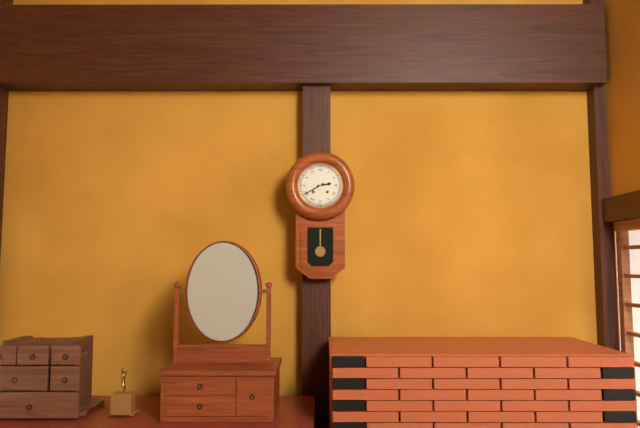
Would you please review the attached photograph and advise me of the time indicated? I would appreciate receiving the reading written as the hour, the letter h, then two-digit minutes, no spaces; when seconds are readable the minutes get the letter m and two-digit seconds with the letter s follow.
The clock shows 2h40
